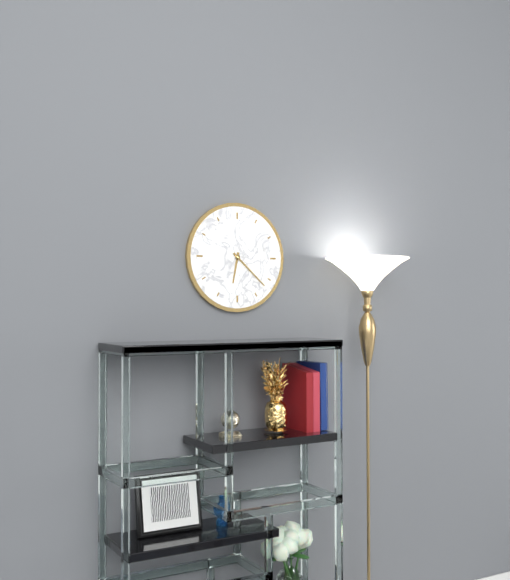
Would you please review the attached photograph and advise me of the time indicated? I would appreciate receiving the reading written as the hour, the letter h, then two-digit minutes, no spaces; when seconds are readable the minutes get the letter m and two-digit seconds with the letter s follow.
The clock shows 6h22
